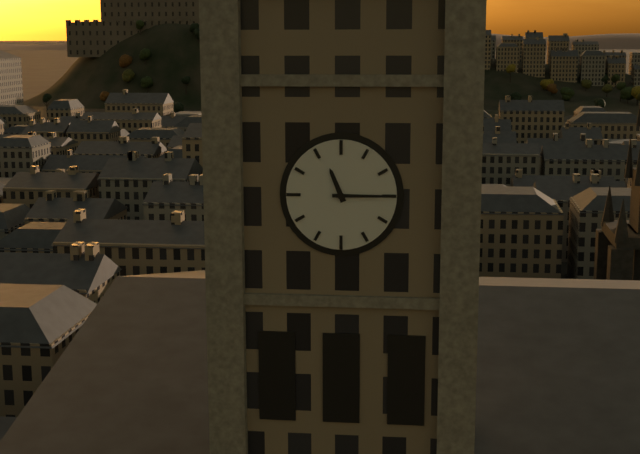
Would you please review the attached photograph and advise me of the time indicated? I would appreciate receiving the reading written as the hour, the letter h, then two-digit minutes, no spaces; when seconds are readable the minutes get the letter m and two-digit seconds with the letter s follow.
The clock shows 11h15
